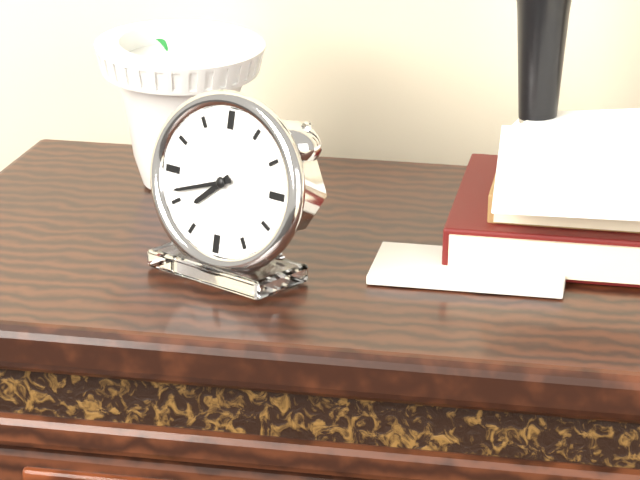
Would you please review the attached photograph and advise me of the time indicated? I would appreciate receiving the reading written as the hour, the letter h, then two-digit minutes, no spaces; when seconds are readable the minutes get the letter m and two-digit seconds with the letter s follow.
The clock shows 7h42
